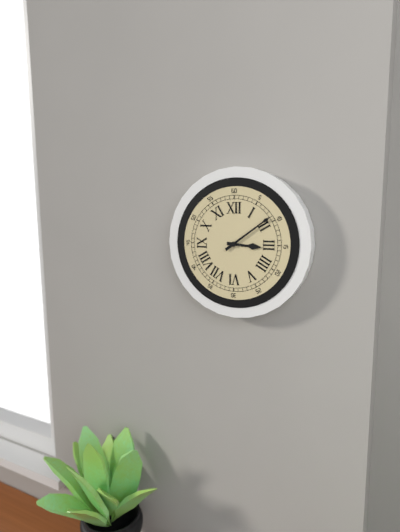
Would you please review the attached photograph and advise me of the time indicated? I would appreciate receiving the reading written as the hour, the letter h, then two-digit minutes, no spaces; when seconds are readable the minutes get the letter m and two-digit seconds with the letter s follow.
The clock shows 3h09
